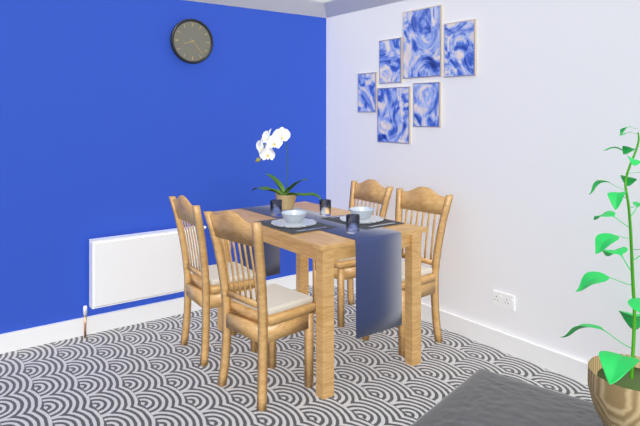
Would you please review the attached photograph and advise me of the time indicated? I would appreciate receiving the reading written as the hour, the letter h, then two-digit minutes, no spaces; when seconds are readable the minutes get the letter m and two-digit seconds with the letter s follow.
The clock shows 8h23
